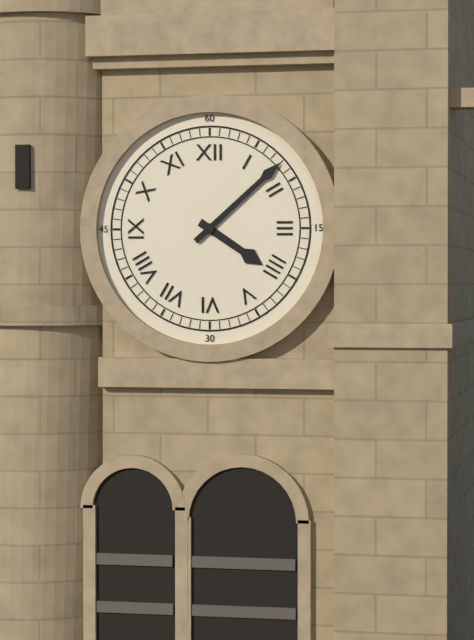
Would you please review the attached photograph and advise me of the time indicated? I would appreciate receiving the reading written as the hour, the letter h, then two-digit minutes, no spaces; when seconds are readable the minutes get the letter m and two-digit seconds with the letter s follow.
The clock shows 4h08
